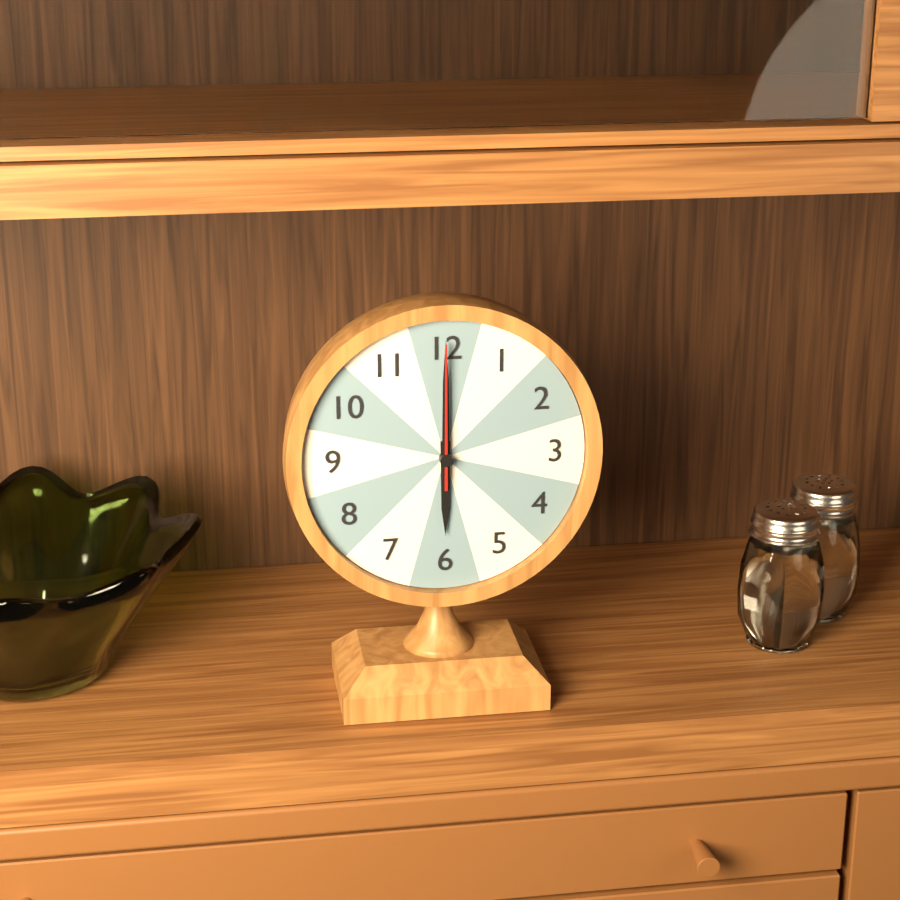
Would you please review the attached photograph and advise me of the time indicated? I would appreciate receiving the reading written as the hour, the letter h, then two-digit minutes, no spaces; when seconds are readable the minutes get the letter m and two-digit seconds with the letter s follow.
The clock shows 6h00m00s
